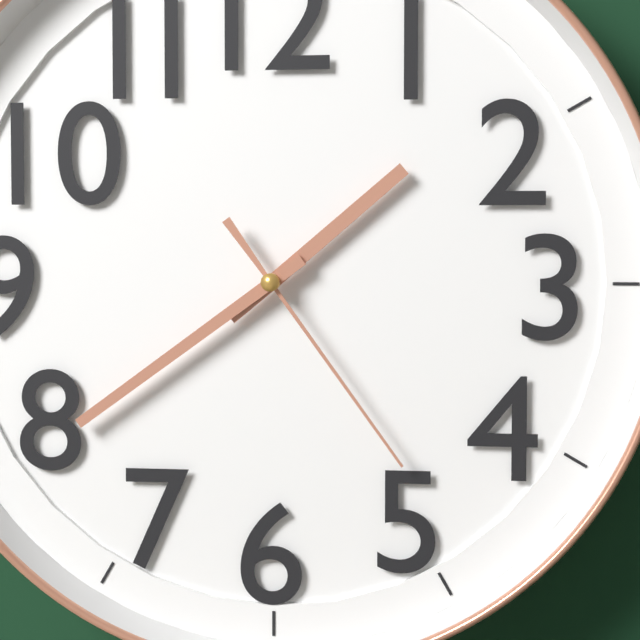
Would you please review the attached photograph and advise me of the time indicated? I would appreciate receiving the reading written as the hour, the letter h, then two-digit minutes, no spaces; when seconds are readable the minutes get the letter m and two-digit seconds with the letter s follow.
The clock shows 1h39m24s
